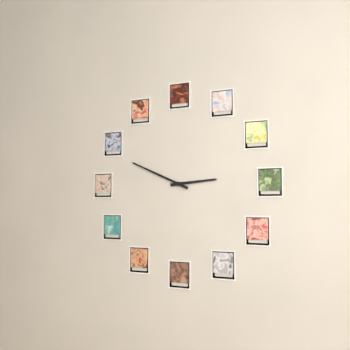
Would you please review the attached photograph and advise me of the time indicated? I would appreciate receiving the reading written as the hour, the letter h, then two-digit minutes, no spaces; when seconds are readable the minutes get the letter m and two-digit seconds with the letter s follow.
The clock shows 2h49
